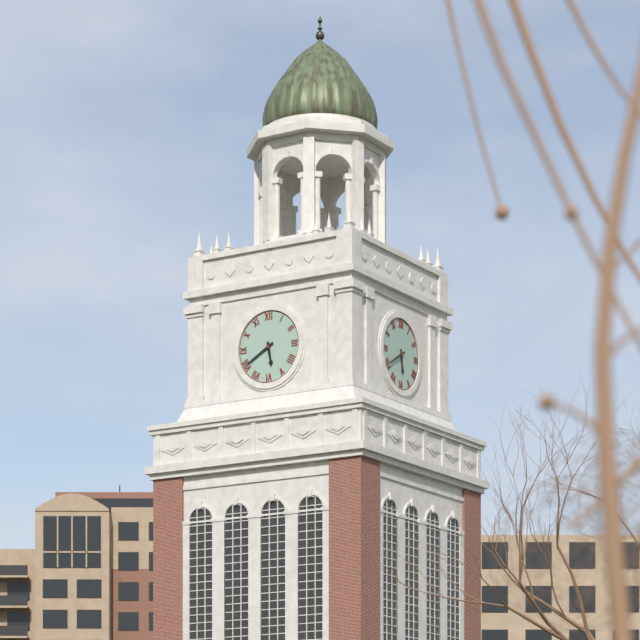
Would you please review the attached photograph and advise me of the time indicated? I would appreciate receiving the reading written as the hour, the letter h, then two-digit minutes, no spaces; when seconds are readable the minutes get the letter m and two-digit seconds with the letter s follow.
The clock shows 5h40
